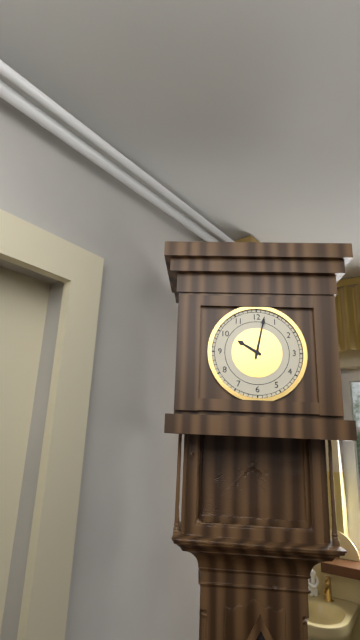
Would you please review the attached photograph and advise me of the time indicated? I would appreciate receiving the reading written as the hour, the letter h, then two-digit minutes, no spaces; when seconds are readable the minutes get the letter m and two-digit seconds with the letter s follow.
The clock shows 10h02
